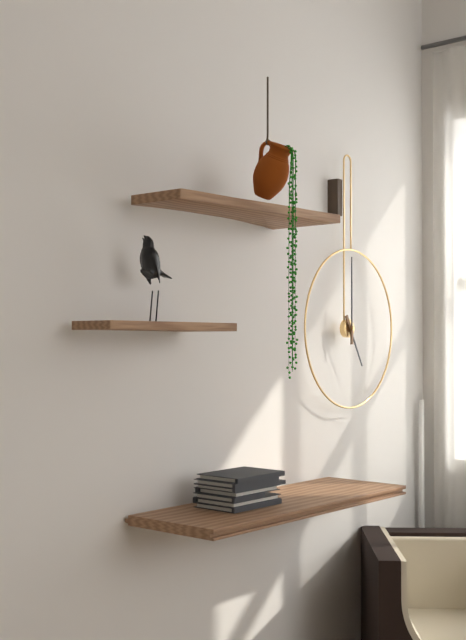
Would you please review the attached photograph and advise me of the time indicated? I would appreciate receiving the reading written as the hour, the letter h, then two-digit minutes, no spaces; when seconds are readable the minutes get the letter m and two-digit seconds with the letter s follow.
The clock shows 5h00
